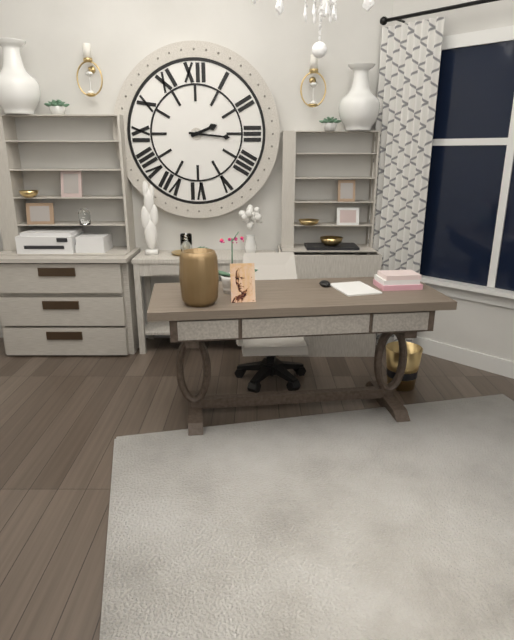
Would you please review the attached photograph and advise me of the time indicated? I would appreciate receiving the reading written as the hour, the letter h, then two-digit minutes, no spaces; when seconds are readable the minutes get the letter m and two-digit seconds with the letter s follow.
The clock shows 2h16
